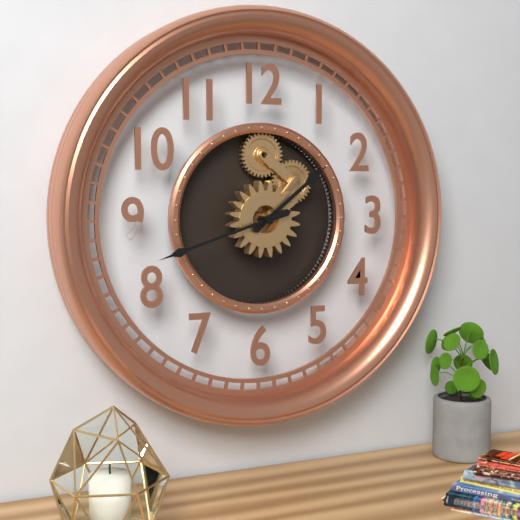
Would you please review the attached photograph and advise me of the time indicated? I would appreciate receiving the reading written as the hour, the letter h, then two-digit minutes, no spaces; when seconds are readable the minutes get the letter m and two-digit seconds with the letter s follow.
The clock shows 1h42
